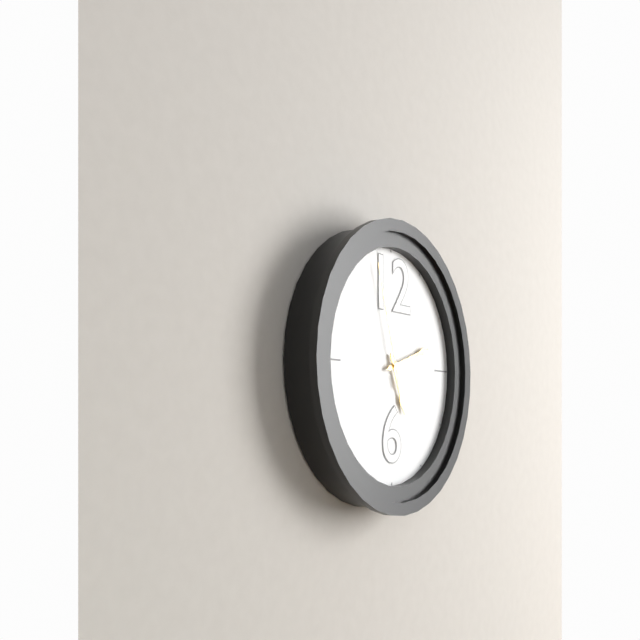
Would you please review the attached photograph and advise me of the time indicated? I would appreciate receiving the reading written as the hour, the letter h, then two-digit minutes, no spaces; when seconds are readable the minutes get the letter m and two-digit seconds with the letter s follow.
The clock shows 5h12m57s
